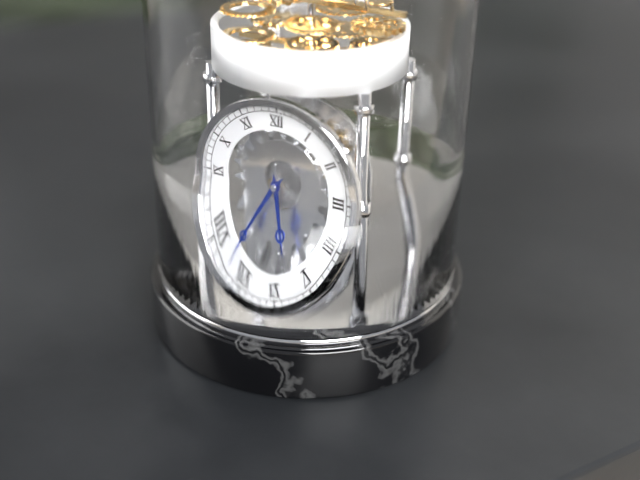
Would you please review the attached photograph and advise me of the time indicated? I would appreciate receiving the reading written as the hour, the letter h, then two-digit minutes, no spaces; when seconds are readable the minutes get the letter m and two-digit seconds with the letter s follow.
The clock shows 5h37
